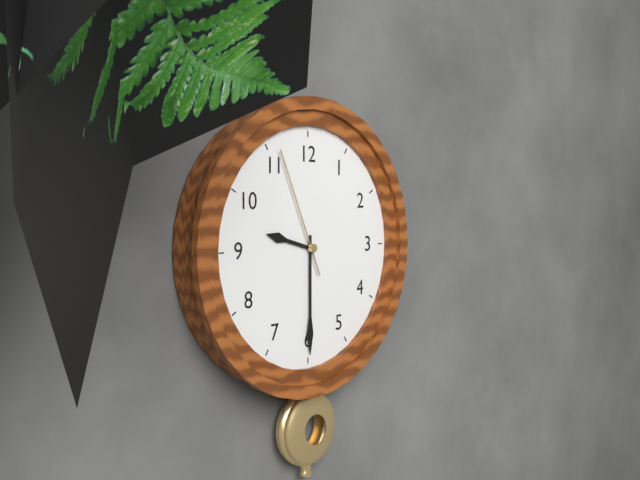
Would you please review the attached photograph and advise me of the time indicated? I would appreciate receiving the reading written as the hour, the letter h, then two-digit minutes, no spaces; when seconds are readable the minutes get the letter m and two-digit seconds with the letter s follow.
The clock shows 9h30m56s
